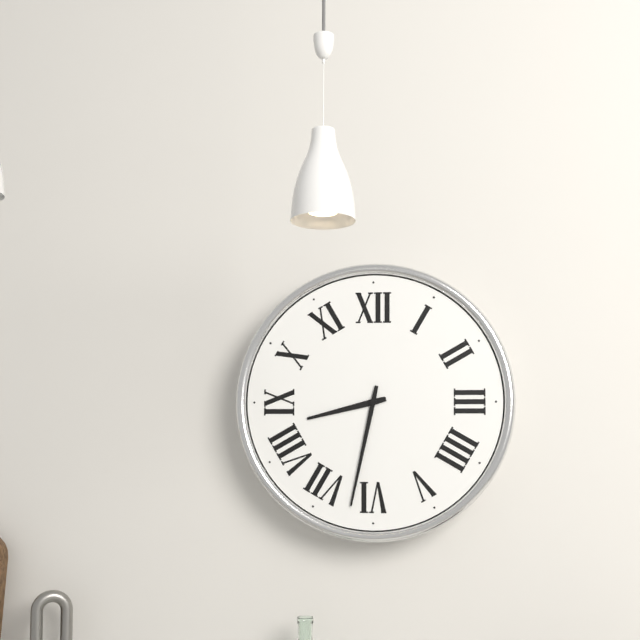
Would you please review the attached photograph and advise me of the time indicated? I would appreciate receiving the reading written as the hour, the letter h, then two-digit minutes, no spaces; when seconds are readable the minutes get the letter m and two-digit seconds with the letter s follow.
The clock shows 8h32
